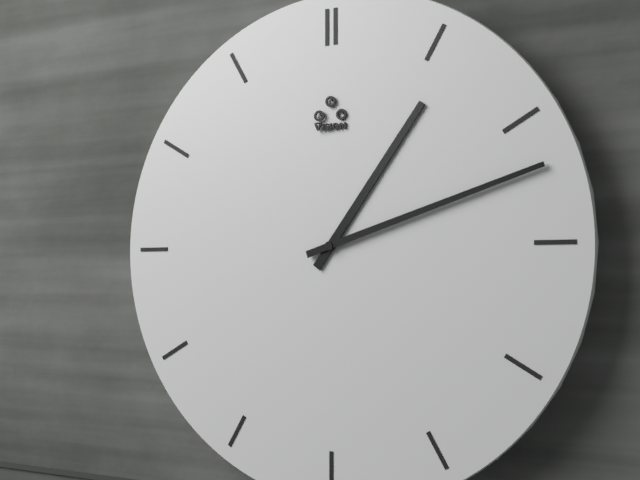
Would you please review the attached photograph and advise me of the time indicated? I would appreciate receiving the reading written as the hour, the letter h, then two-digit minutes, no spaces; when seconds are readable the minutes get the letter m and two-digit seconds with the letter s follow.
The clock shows 1h12
